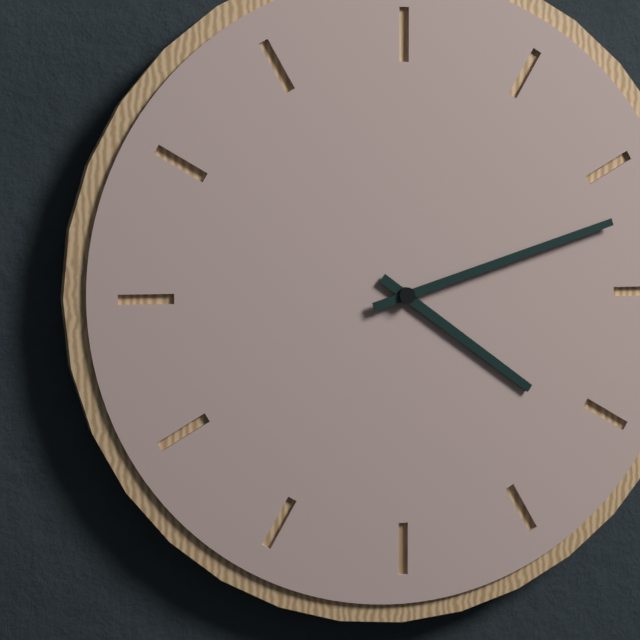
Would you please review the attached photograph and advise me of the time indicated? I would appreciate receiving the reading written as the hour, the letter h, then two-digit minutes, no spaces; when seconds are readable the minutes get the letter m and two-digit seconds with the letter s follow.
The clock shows 4h12
